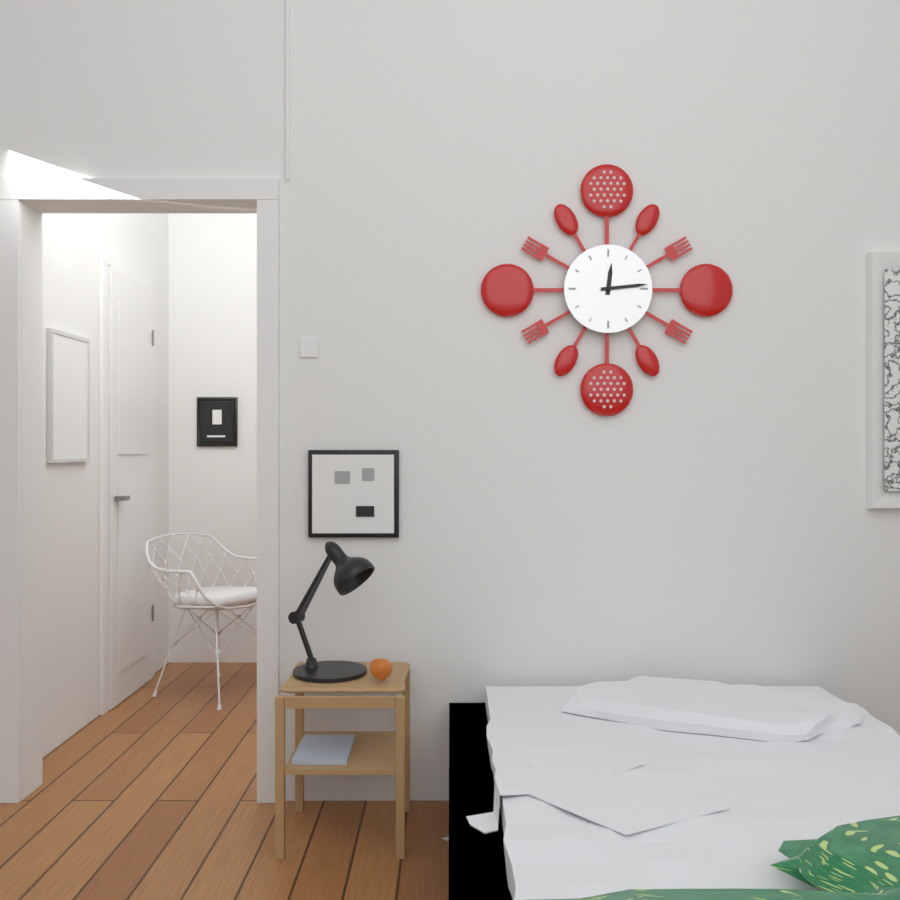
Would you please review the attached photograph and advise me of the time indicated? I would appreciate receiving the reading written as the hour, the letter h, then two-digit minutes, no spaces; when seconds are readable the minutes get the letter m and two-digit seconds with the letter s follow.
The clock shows 12h14
